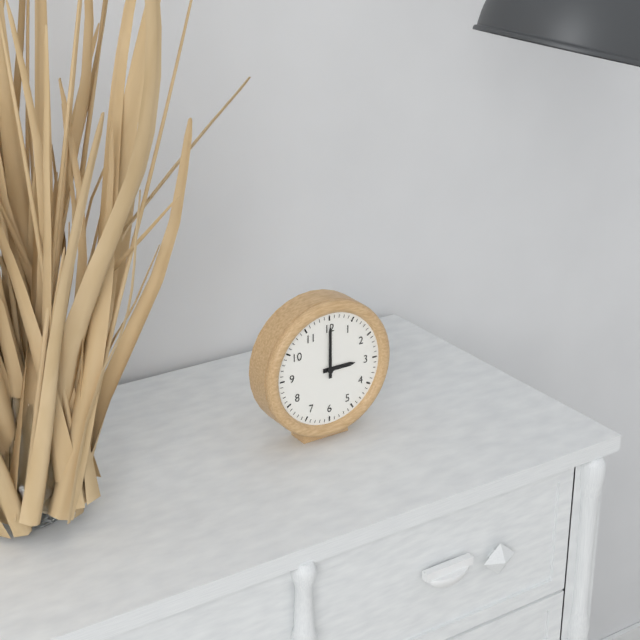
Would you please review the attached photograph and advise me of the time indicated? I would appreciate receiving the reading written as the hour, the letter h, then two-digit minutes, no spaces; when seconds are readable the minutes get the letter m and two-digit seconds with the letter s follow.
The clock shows 3h00
